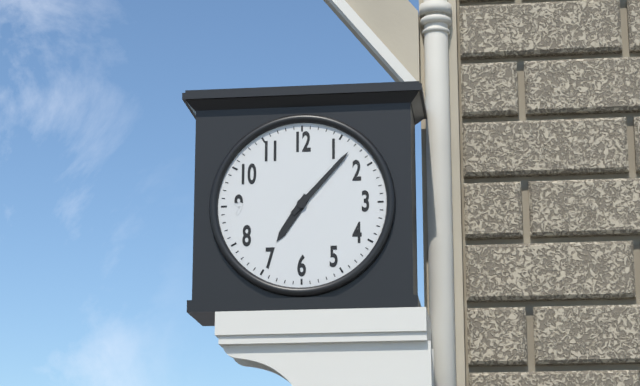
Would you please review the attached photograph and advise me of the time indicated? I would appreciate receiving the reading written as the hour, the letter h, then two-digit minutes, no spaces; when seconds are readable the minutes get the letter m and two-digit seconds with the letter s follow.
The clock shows 7h07
